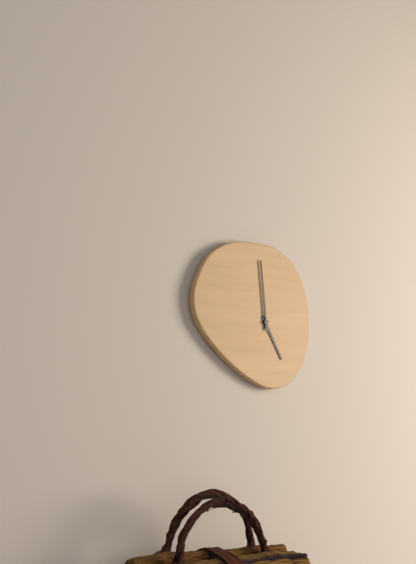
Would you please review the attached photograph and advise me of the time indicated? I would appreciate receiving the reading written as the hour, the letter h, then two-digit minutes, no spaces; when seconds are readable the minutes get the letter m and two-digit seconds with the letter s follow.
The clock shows 4h59
